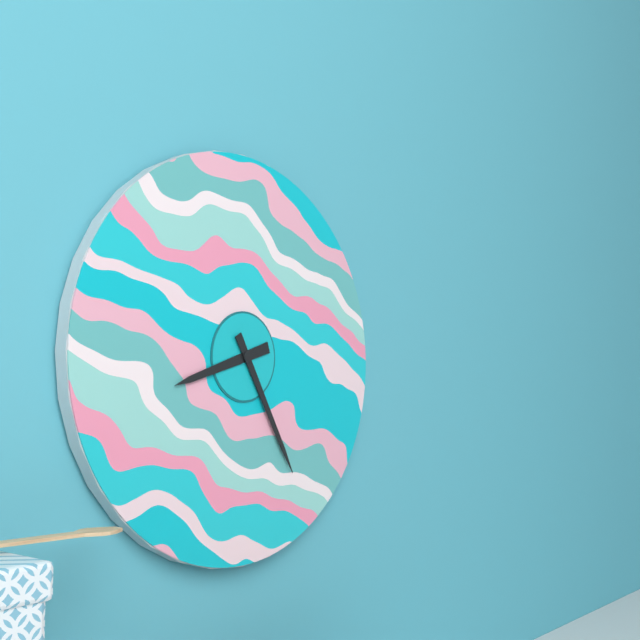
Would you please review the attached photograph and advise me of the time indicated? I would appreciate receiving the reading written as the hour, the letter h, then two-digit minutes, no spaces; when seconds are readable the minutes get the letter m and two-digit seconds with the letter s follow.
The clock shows 8h25
